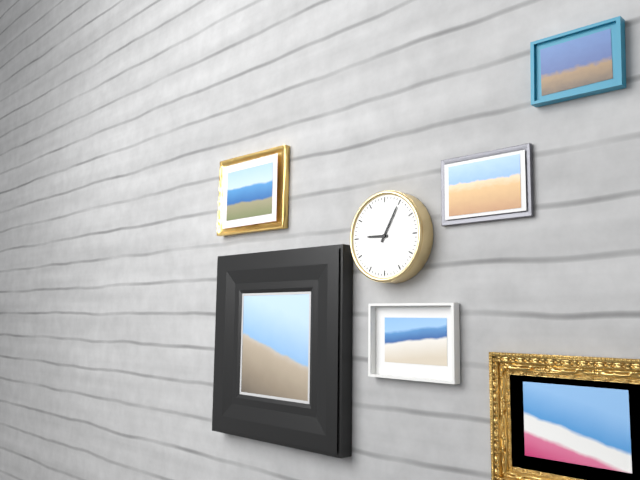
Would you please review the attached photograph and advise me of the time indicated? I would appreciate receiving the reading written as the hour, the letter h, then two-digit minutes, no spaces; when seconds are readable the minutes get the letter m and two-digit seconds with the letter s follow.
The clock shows 9h05
